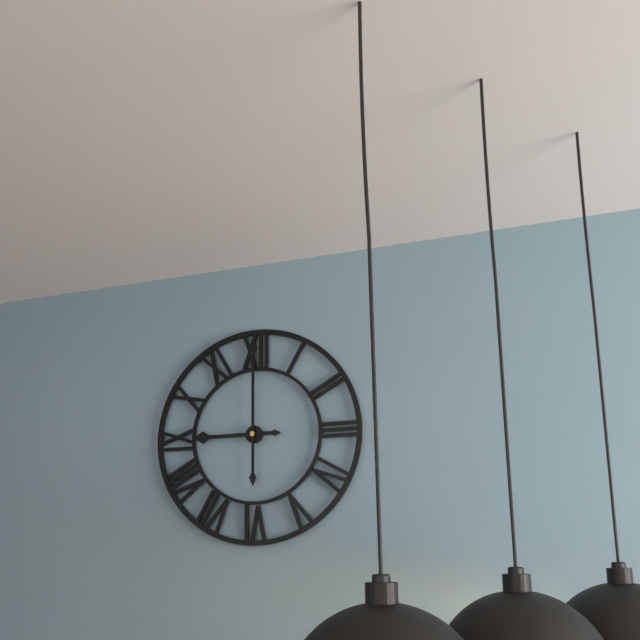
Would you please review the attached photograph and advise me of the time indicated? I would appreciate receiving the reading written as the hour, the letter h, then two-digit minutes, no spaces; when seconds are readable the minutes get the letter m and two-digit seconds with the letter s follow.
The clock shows 9h00
